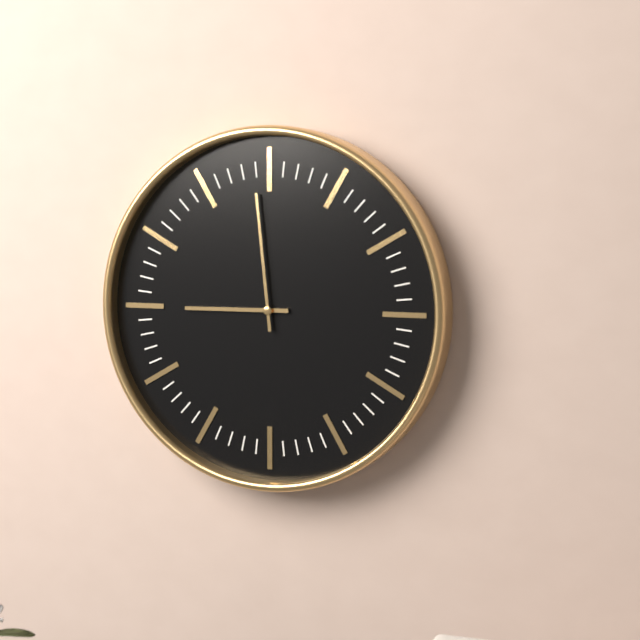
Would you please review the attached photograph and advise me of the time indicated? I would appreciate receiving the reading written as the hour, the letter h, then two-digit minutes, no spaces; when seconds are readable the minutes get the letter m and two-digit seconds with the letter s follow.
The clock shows 8h59
